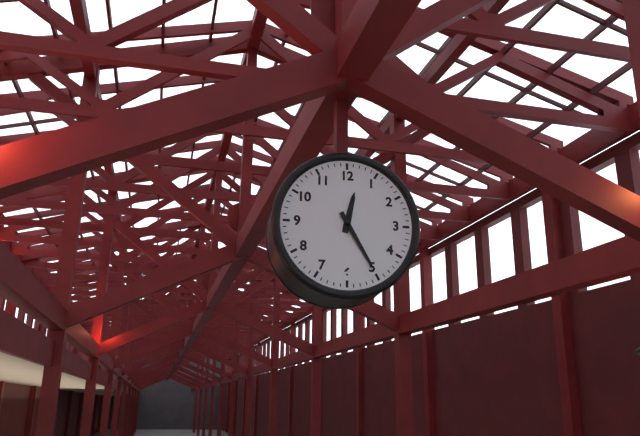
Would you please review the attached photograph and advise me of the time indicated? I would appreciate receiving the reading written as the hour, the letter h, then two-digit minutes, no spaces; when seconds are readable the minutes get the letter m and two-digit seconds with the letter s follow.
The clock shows 12h25
